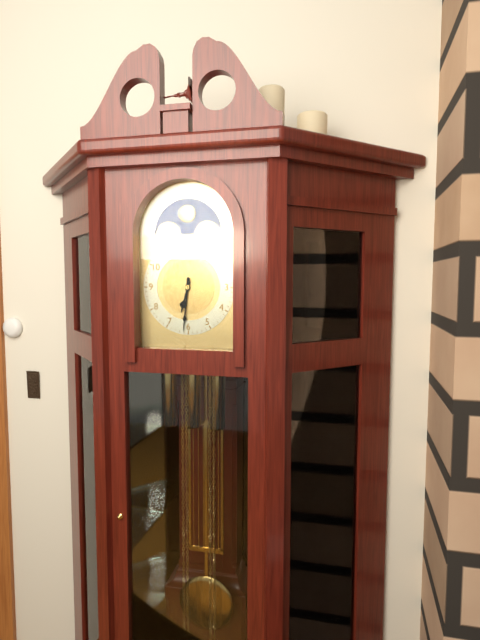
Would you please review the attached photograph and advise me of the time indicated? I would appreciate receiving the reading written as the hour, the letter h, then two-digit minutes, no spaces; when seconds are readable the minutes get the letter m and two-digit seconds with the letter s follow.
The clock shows 6h31
